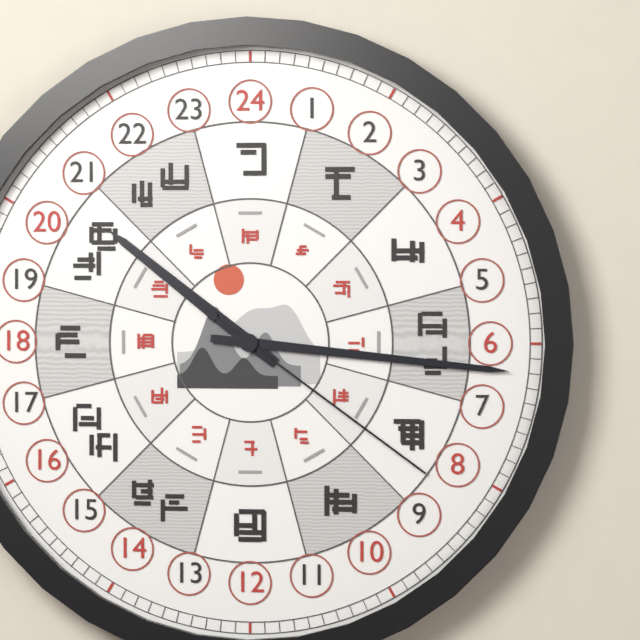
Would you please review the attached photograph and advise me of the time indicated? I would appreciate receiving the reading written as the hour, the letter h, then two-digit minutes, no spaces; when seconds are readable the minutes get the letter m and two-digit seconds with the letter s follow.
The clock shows 10h16m21s
